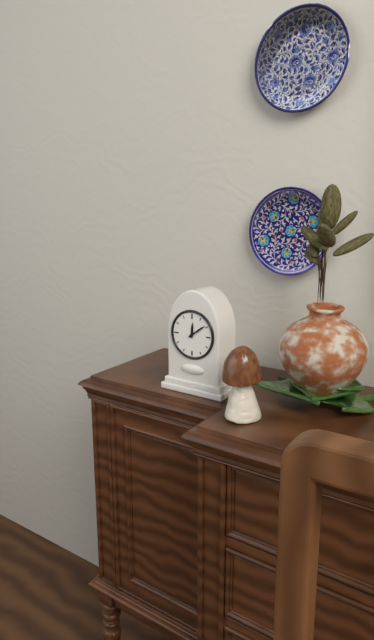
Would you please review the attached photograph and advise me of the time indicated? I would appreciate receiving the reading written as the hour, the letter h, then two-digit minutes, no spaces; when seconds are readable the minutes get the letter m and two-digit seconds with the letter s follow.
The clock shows 12h09
